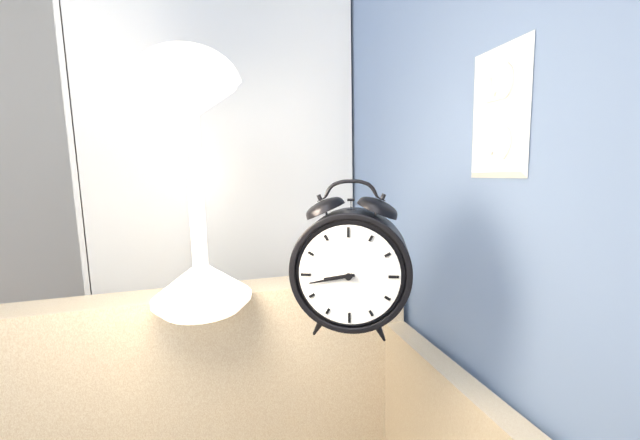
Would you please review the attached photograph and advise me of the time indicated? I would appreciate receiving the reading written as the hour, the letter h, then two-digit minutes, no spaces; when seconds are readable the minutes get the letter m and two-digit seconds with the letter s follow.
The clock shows 8h43
